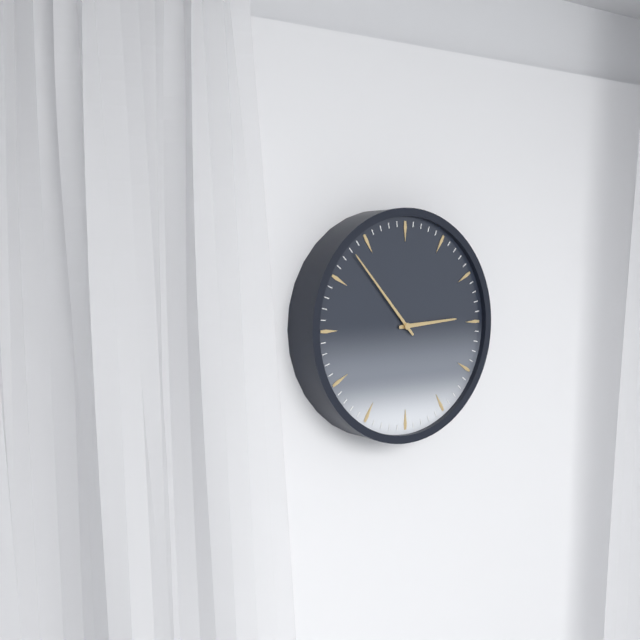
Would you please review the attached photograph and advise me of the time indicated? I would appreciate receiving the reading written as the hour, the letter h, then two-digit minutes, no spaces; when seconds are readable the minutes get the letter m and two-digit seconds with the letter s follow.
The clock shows 2h53
